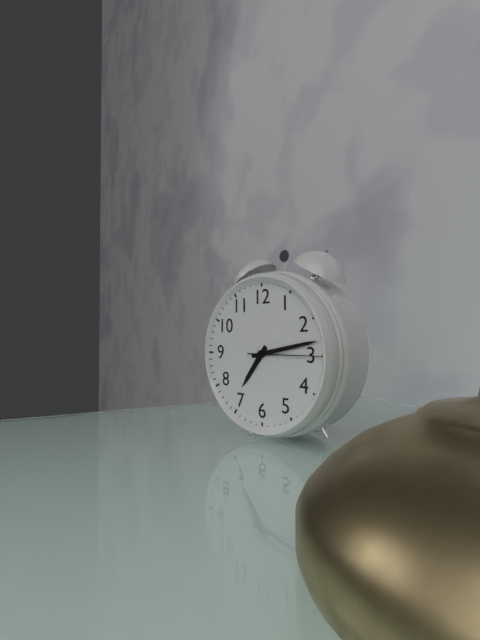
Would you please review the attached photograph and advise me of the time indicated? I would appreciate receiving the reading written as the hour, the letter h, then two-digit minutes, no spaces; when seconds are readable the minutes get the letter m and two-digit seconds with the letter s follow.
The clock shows 7h13m15s
